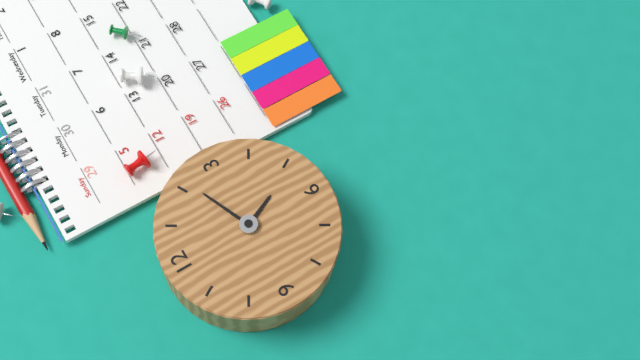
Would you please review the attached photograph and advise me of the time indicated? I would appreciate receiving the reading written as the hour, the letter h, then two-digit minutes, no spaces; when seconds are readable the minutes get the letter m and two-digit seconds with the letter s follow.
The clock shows 5h11
